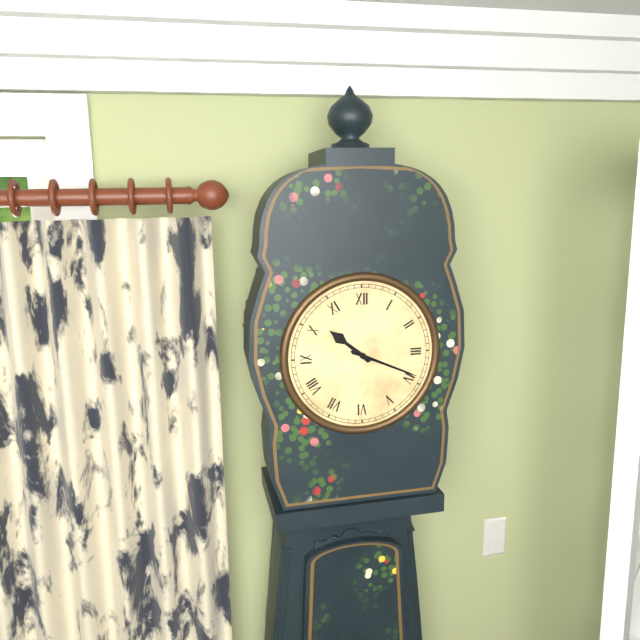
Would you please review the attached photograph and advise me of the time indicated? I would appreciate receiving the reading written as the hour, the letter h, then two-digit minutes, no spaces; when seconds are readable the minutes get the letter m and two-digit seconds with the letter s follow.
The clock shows 10h19
